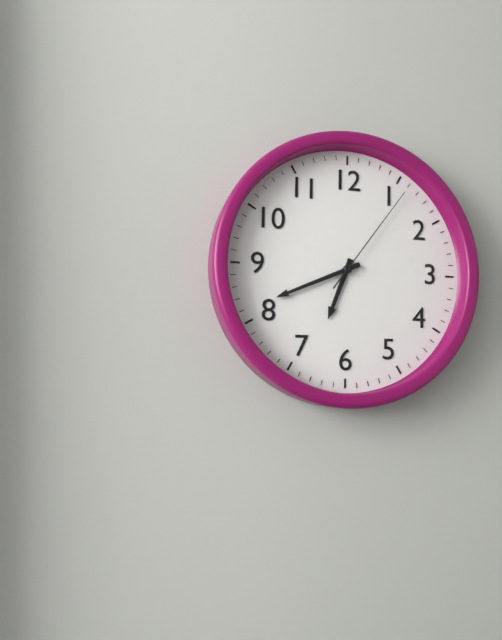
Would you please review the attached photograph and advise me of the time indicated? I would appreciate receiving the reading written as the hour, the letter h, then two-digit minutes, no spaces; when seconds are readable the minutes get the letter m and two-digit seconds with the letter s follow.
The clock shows 6h41m06s
